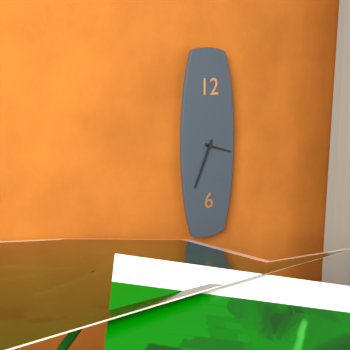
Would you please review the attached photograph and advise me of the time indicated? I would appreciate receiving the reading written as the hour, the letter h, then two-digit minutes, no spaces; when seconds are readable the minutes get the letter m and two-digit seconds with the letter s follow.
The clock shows 3h34
